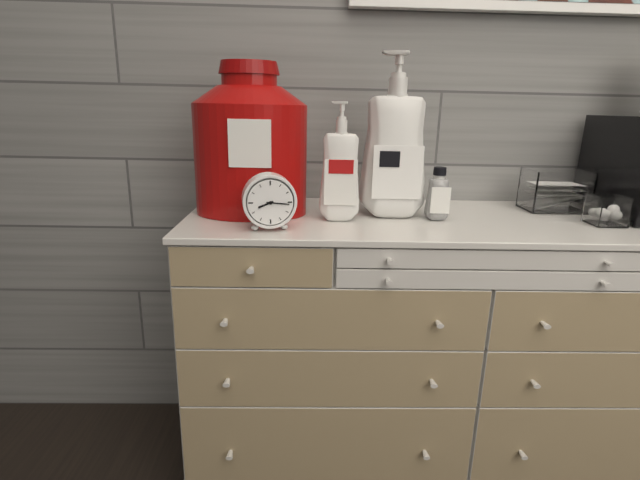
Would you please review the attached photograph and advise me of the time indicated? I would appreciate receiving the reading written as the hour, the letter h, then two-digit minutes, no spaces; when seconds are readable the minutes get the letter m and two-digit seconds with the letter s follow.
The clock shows 8h16
